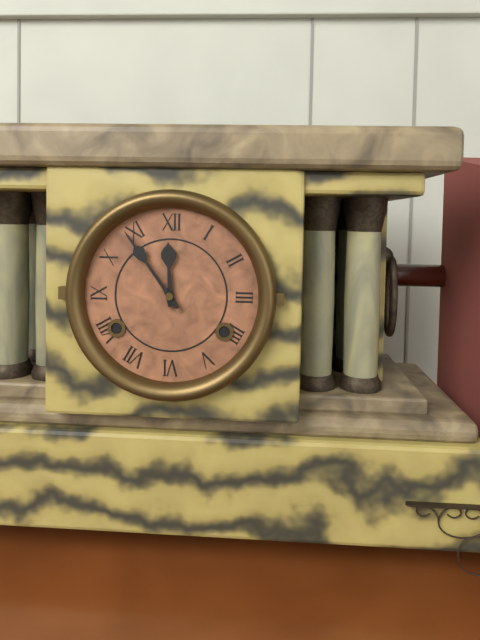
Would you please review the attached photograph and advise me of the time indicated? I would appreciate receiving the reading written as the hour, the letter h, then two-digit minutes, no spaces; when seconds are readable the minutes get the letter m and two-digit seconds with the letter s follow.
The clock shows 11h54
